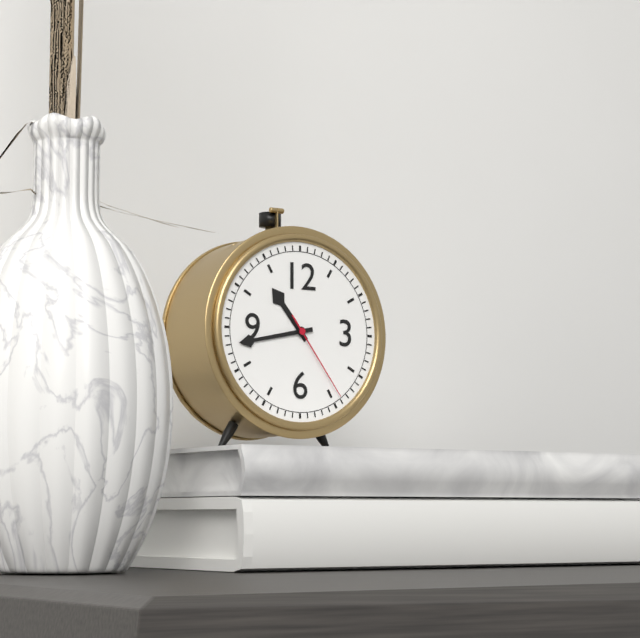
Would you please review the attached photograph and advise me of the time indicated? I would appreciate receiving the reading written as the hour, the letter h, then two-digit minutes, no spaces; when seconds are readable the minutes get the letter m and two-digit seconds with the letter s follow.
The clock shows 10h43m24s
